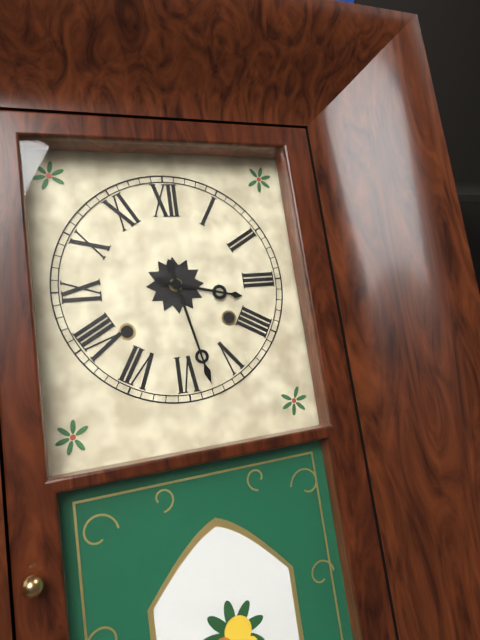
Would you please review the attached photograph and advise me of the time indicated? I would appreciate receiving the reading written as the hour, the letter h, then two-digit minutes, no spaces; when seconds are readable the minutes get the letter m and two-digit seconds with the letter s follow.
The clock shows 3h28
